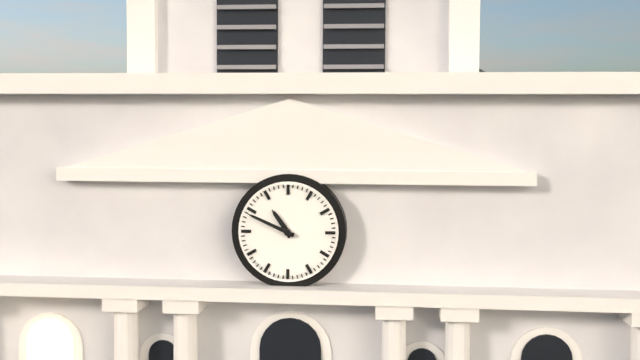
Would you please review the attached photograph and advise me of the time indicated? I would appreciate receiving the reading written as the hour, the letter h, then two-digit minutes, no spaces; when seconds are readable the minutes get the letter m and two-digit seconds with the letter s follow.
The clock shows 10h49
